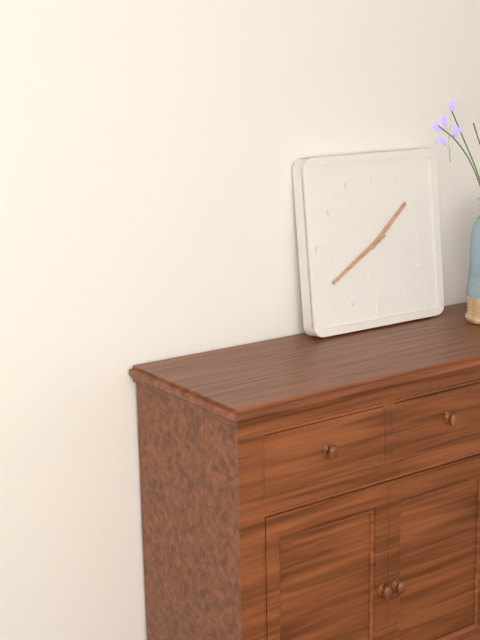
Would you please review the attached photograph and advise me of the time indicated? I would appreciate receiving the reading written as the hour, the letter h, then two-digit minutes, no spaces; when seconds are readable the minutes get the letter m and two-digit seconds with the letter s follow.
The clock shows 1h40
